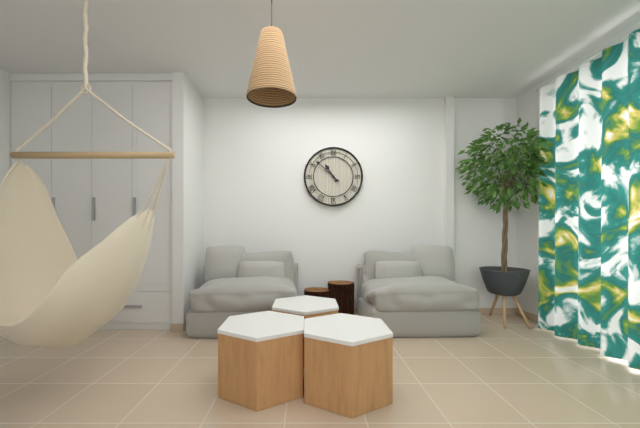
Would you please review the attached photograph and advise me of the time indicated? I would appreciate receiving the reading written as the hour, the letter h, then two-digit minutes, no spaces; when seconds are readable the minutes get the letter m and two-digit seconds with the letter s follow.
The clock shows 10h52
